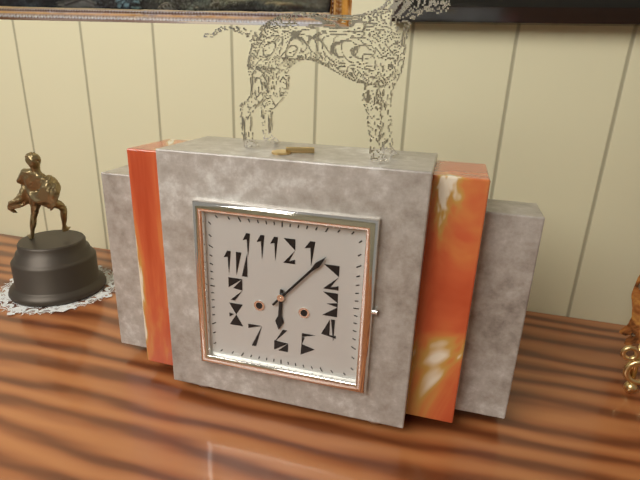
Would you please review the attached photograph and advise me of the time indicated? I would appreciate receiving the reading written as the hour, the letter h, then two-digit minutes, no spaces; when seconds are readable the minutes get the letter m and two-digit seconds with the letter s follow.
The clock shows 6h07
